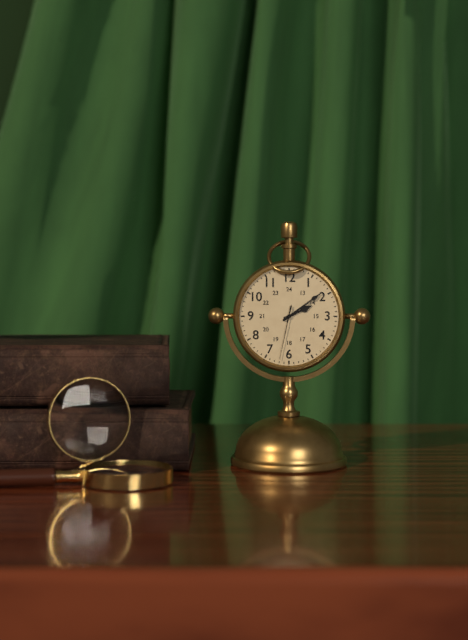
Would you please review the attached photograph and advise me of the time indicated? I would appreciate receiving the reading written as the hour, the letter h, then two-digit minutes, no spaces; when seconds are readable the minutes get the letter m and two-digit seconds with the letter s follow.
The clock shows 2h09m32s
